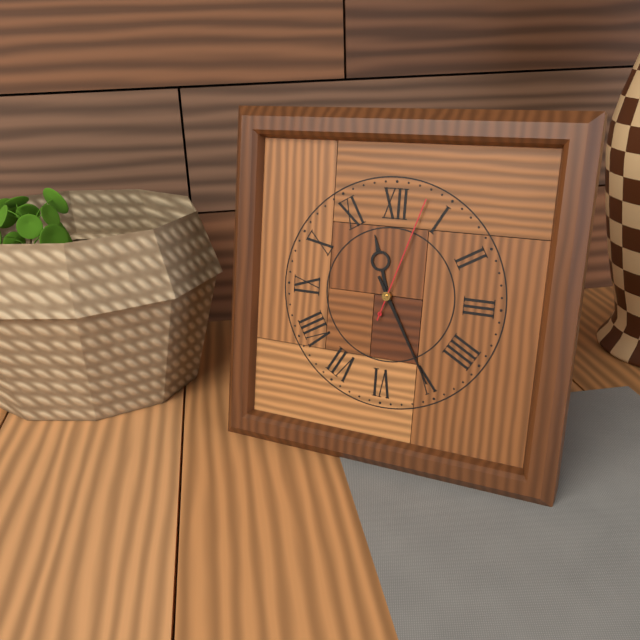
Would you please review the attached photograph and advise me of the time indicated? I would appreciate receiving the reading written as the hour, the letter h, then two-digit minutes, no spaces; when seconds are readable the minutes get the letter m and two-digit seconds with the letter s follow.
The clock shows 11h25m03s
